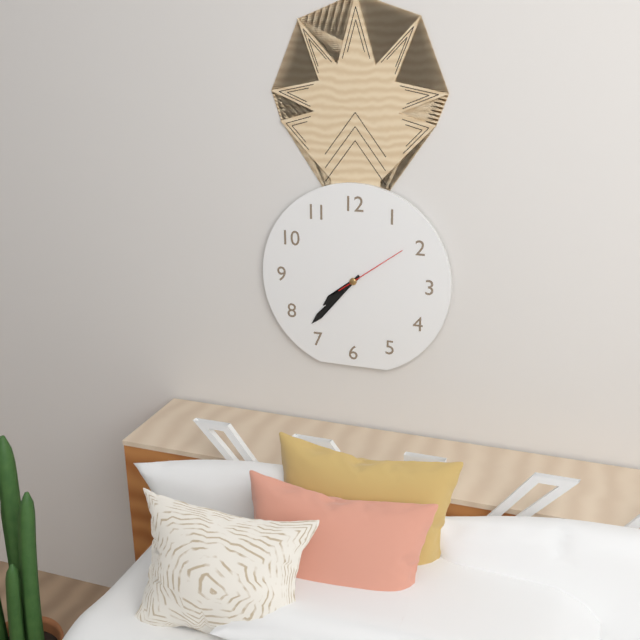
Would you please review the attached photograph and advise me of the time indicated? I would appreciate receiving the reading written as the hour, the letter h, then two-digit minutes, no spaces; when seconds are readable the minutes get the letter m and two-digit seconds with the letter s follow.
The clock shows 7h37m09s
